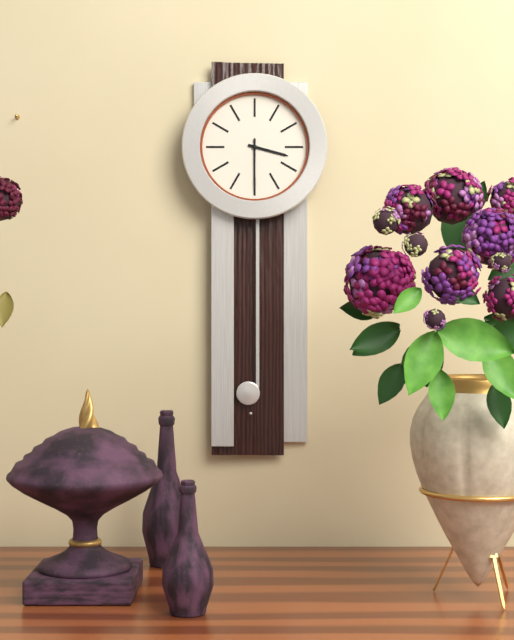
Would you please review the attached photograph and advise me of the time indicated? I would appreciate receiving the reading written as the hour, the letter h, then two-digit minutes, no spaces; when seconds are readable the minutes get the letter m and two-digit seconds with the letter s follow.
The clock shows 3h30
